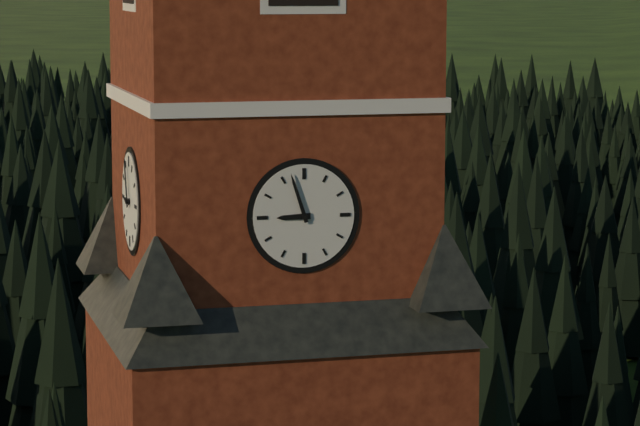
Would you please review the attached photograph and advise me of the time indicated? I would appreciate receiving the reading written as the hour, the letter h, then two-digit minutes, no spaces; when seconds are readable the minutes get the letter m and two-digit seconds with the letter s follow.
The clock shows 8h57
